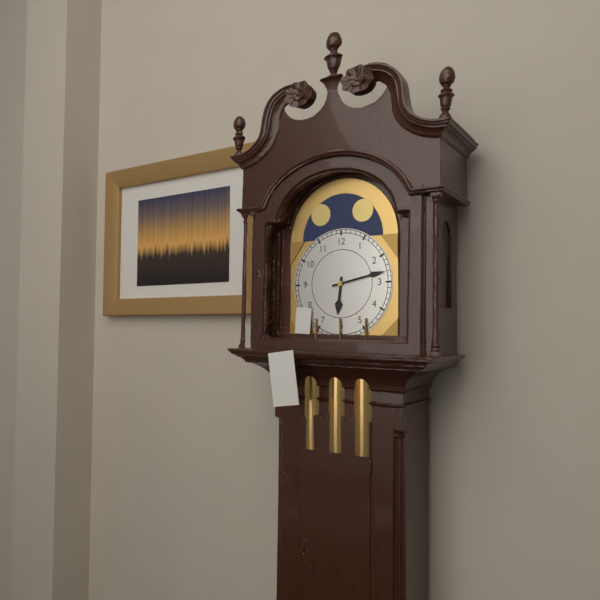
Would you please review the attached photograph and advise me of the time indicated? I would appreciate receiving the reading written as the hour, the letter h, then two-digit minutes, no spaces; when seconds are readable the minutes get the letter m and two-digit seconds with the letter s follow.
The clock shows 6h13
